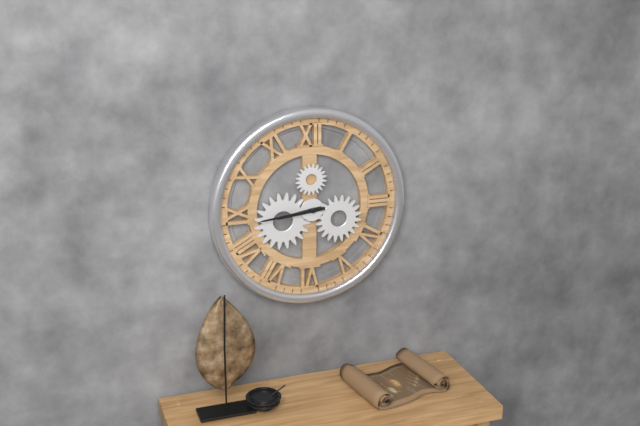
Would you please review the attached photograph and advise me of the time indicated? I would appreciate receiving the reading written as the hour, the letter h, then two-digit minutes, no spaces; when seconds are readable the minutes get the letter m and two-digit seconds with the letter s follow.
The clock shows 8h44
